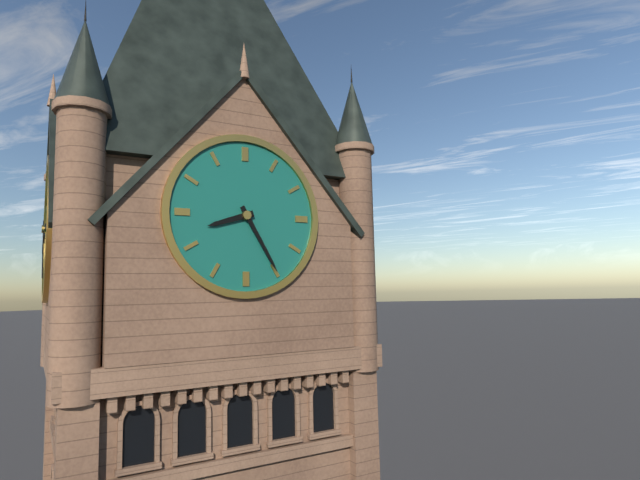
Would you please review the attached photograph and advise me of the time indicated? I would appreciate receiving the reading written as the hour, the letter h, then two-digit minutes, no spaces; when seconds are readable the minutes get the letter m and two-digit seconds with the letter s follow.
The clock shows 8h25
